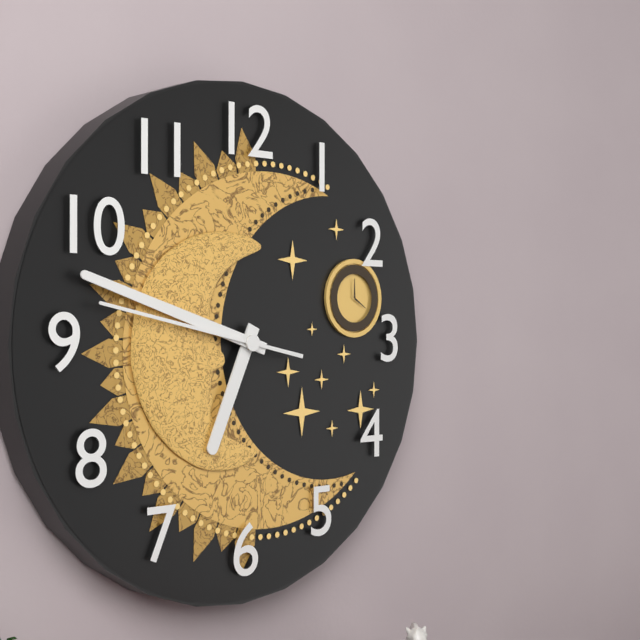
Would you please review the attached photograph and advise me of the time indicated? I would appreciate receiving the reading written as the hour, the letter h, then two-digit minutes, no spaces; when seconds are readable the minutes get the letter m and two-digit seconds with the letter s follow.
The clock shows 6h48m47s
